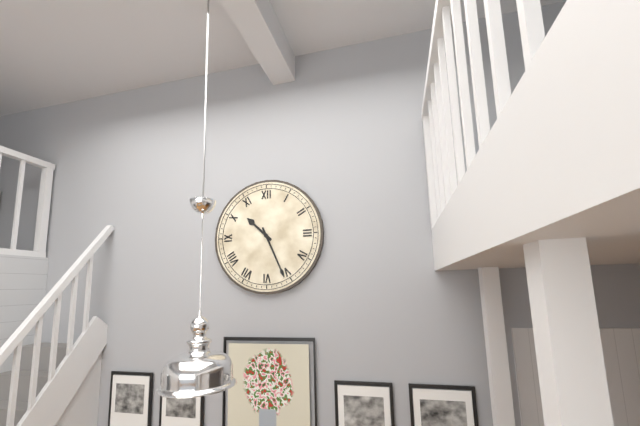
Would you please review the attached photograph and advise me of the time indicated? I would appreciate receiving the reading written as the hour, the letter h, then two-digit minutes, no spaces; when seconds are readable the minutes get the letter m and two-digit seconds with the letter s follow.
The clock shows 10h26
